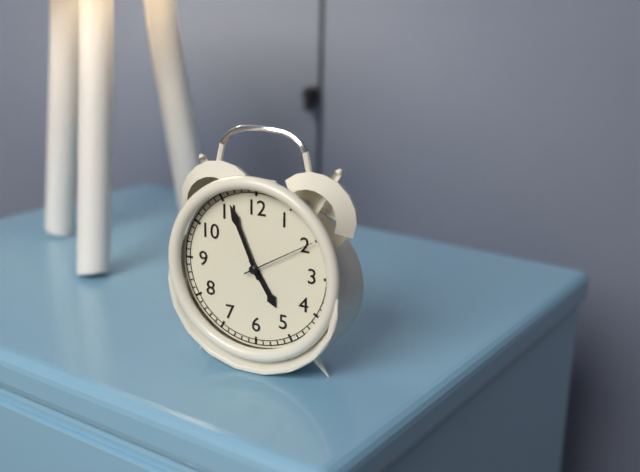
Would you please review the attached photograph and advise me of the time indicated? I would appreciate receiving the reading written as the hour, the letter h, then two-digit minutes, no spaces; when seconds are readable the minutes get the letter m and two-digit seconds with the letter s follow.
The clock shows 4h56m10s
